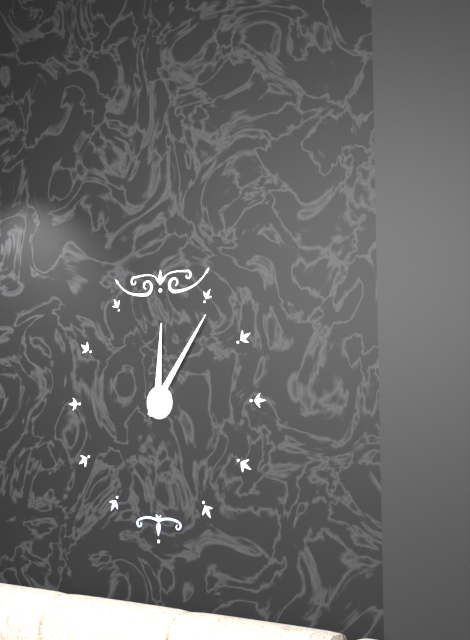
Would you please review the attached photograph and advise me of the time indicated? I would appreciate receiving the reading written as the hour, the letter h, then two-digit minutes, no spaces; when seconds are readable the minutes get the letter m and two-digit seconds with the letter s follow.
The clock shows 12h06
